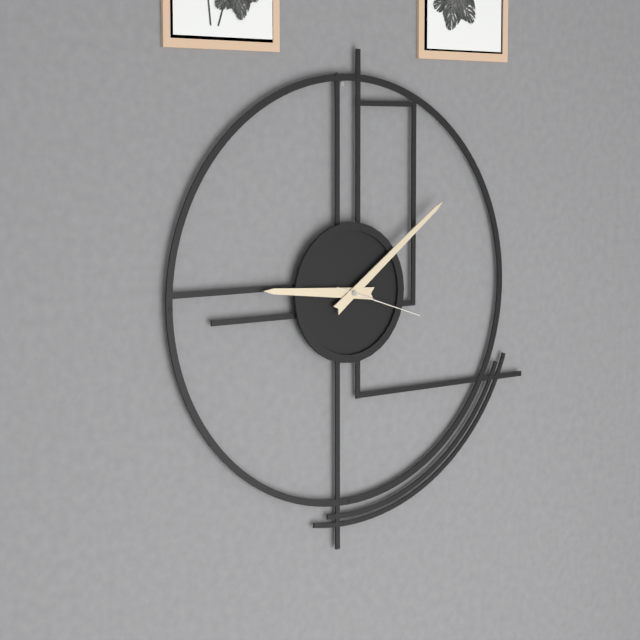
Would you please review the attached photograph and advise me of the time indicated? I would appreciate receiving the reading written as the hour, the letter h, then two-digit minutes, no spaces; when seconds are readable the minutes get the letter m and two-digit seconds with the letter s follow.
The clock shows 9h09m18s
